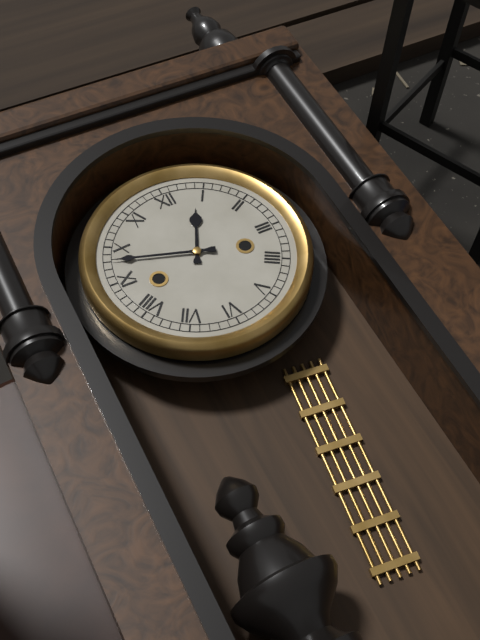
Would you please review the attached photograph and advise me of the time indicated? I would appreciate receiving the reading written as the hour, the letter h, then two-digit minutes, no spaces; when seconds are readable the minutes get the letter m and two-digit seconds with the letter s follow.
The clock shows 12h48
